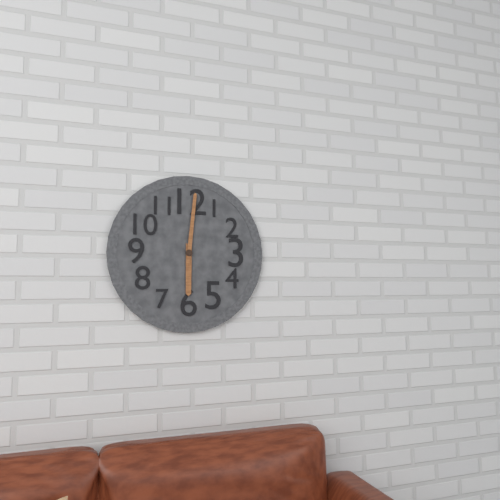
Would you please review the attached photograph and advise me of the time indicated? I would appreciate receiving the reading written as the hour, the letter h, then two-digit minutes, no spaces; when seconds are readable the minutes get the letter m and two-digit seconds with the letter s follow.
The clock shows 6h01
